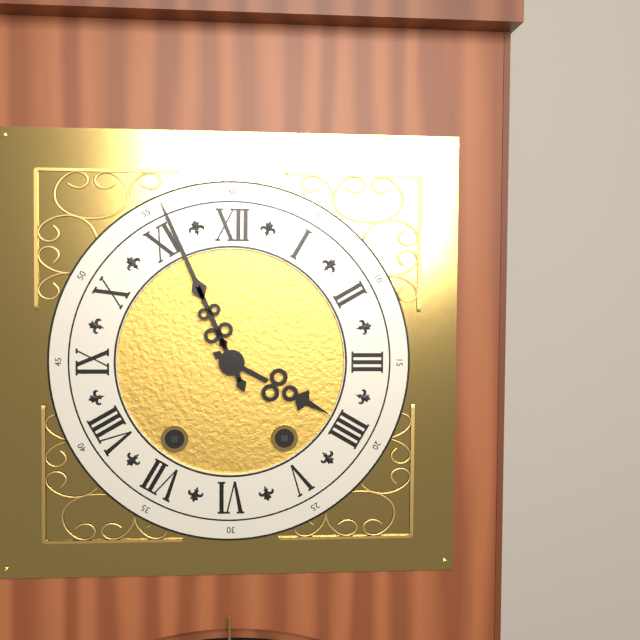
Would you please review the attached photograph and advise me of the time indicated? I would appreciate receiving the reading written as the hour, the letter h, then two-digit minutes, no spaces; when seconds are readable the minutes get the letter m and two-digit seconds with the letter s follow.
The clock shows 3h56
